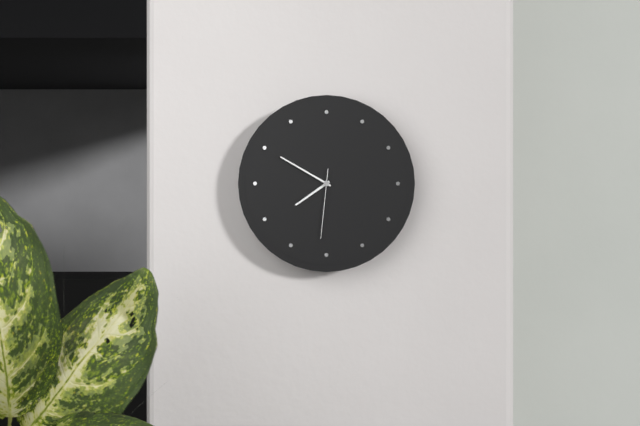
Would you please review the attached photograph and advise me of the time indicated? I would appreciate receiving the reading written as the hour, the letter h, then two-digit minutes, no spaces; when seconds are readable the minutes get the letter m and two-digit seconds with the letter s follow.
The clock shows 7h50m31s
